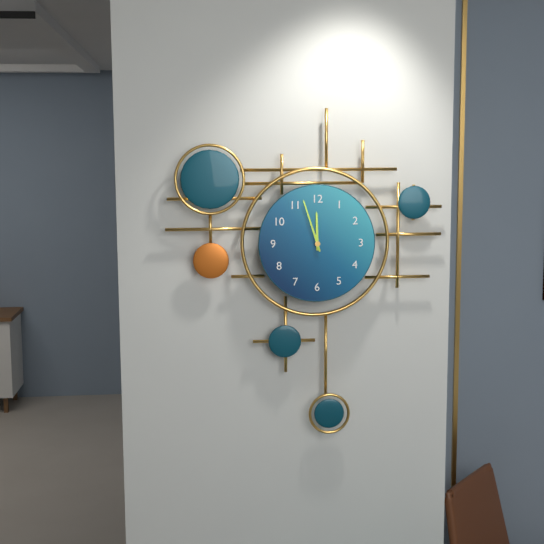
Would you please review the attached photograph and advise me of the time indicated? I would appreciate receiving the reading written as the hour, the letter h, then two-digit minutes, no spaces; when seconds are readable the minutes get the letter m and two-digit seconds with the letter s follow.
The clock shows 11h57
